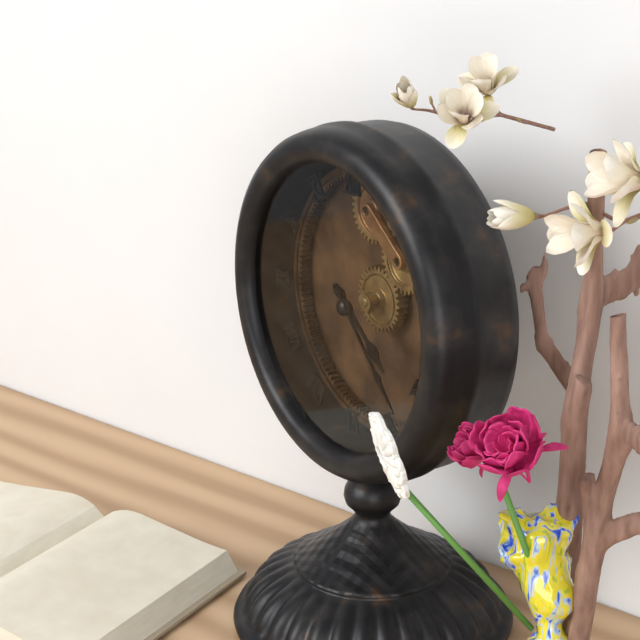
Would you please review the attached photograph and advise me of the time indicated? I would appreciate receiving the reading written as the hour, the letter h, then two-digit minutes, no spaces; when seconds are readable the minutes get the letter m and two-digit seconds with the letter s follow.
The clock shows 4h23
